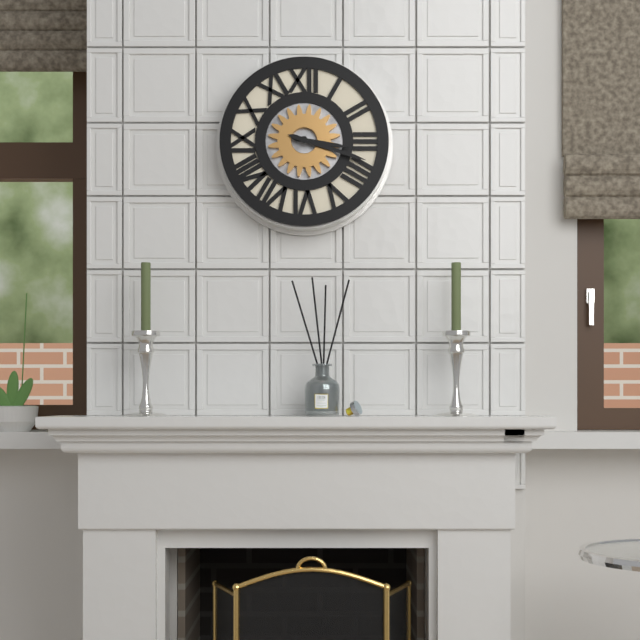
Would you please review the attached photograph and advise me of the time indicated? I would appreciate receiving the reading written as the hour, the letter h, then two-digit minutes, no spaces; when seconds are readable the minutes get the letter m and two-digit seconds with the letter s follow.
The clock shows 3h18
